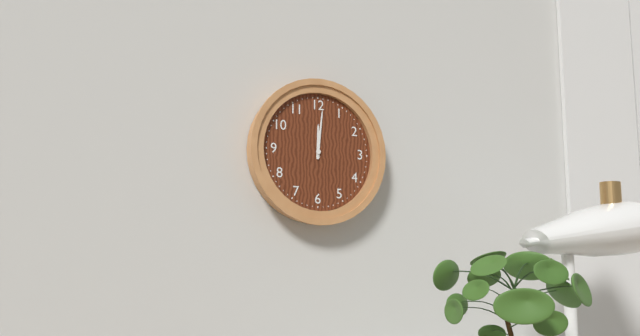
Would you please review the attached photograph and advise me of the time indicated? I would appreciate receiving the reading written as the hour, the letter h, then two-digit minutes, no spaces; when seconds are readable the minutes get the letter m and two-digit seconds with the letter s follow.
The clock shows 12h01
